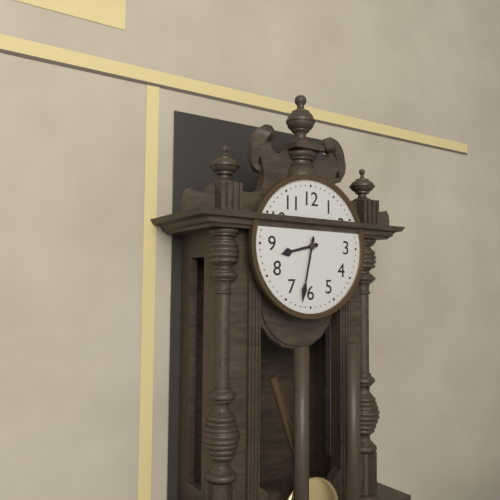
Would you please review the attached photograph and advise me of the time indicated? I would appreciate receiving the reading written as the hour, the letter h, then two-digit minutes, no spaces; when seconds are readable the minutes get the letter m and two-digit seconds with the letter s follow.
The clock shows 8h32
